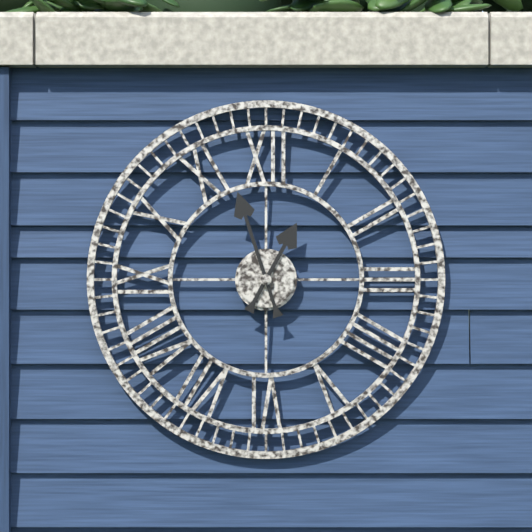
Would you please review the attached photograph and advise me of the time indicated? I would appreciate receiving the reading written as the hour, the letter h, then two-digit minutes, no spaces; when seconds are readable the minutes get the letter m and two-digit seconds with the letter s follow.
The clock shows 12h57
